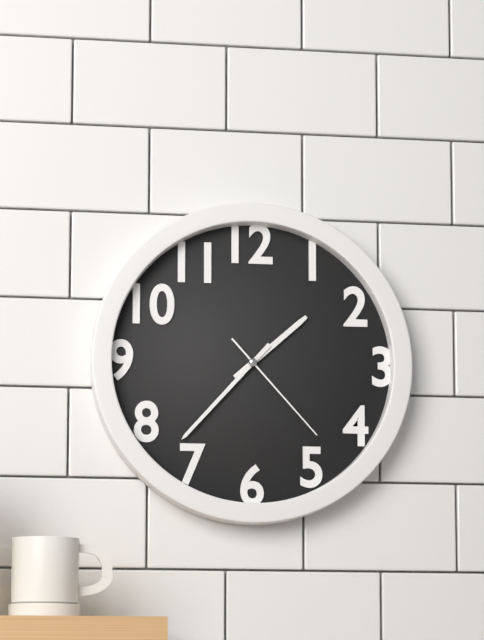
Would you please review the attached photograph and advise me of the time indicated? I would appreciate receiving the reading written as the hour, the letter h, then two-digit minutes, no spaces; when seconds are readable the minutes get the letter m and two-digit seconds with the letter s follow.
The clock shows 1h37m23s
